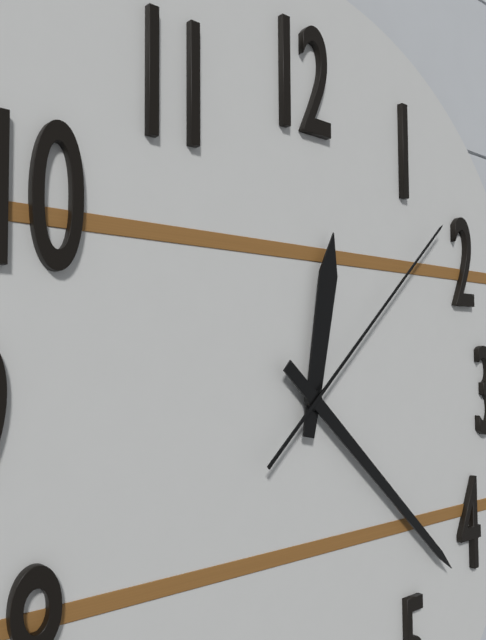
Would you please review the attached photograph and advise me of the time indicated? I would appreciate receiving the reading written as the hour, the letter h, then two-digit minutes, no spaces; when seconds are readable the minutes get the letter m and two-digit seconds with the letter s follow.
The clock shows 12h22m08s
